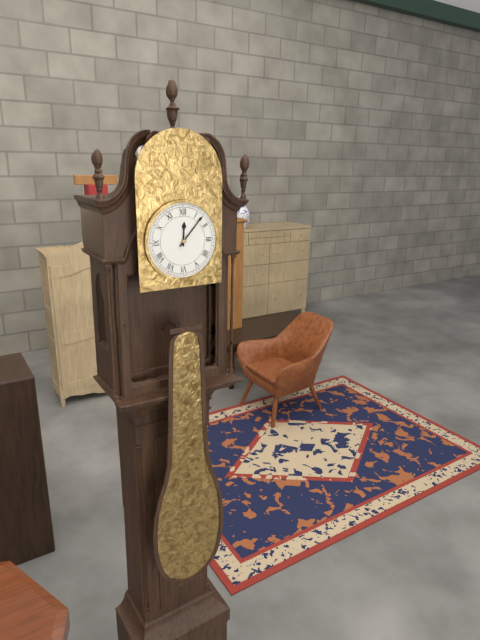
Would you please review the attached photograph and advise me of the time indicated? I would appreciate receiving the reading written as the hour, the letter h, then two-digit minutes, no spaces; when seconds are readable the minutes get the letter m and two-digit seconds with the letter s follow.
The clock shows 12h07
